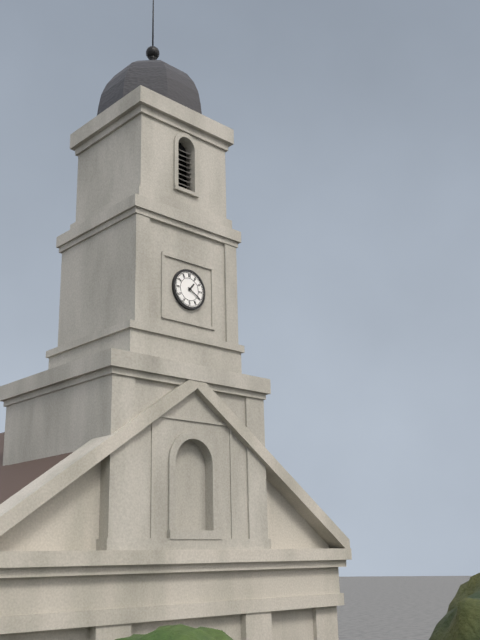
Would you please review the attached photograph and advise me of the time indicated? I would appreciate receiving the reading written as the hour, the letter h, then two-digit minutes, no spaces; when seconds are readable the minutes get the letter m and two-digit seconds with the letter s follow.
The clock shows 1h20
